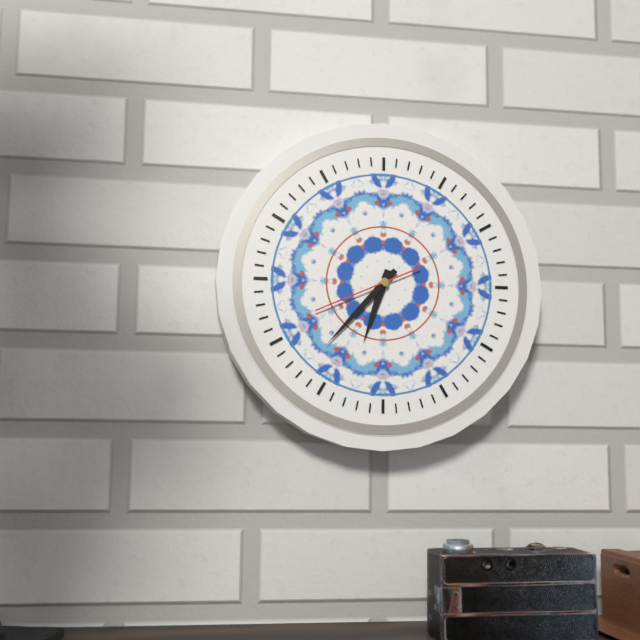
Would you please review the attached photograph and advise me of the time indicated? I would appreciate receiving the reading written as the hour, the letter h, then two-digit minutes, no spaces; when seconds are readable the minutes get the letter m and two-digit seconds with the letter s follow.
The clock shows 6h37m41s
